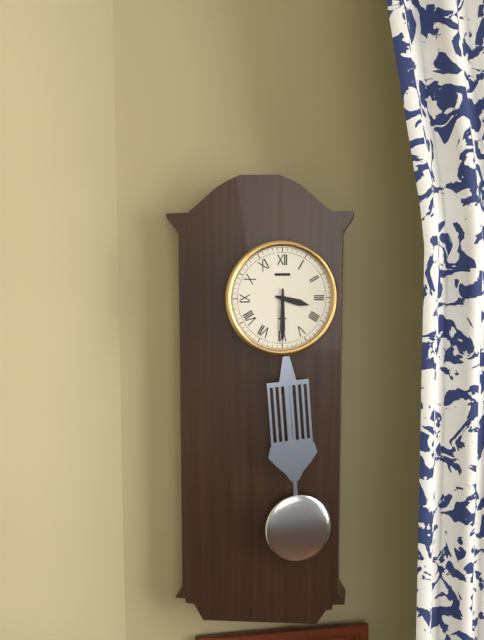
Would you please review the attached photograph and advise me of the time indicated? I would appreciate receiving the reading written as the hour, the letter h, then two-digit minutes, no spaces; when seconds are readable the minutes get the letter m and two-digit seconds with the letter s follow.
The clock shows 3h30
